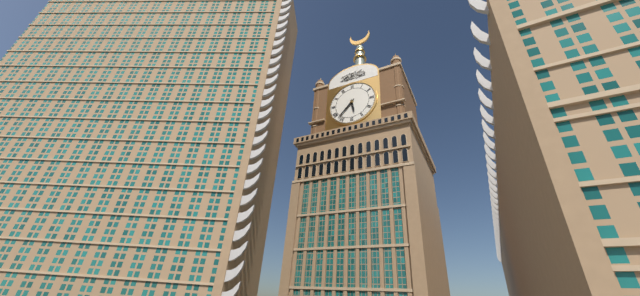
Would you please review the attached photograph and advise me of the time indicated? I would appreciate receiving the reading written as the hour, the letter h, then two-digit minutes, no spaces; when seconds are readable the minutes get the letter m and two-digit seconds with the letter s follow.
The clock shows 5h37
